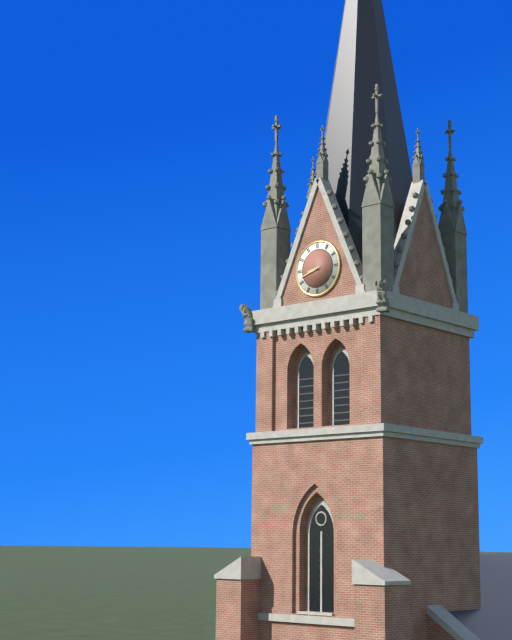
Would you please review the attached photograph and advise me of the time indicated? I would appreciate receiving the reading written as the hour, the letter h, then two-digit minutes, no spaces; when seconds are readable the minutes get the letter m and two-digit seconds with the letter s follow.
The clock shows 8h42
